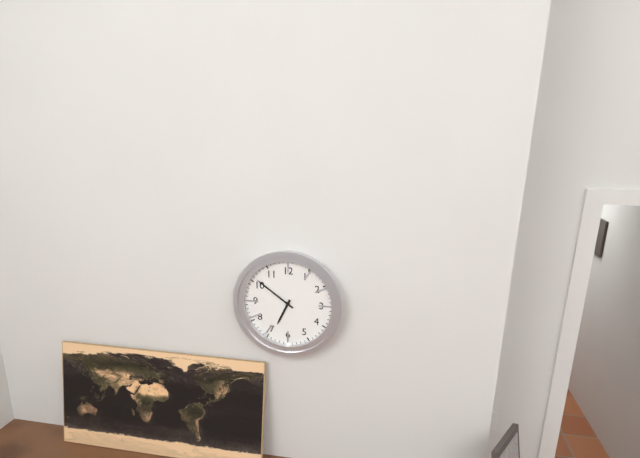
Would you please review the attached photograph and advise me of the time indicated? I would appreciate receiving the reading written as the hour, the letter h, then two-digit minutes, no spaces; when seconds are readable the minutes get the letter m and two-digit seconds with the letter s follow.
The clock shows 6h51
